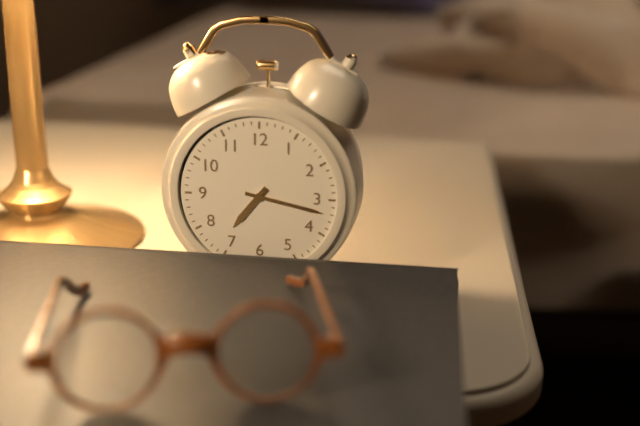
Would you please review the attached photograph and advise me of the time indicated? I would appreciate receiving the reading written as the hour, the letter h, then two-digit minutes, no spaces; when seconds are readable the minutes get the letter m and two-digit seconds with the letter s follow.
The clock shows 7h17
